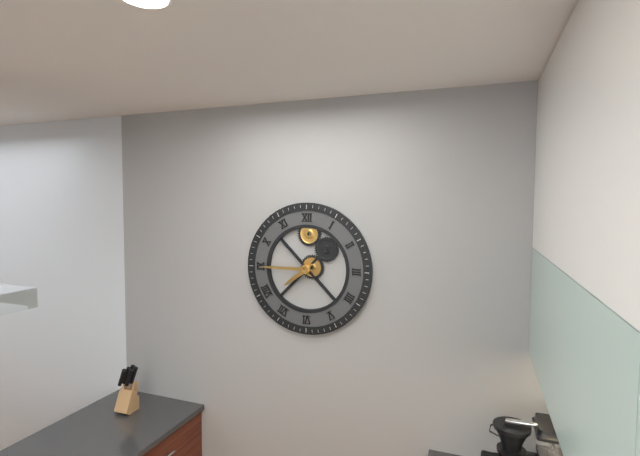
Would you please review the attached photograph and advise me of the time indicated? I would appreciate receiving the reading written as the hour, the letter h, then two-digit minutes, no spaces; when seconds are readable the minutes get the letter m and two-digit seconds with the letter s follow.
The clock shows 7h45
